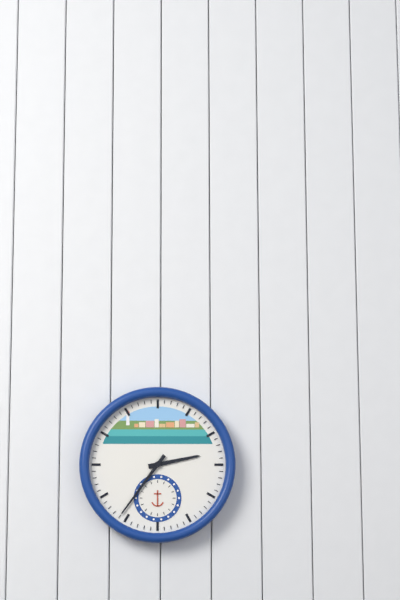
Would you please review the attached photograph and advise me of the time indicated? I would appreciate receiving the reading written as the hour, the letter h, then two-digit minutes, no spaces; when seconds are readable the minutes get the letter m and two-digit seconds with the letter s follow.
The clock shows 2h36
